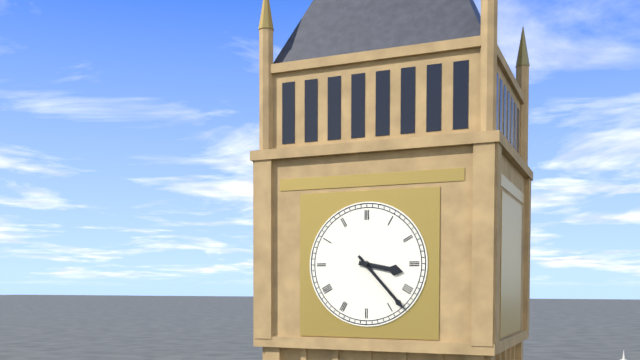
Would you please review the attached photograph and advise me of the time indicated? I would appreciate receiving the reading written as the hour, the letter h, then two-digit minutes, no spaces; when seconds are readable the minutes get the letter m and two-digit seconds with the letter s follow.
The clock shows 3h23
